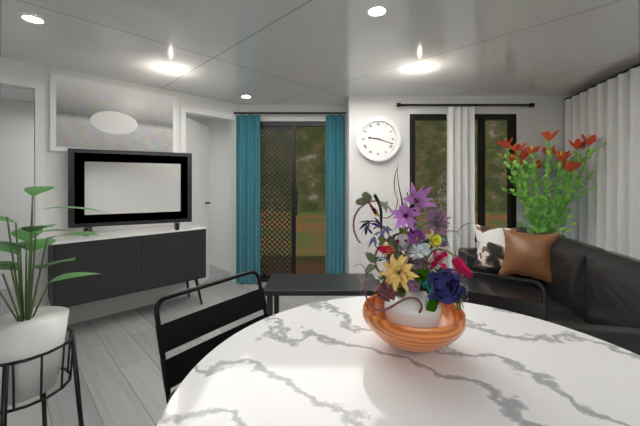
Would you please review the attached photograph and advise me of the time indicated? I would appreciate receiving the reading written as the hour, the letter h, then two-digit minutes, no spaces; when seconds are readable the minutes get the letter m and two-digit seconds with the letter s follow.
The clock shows 9h18
